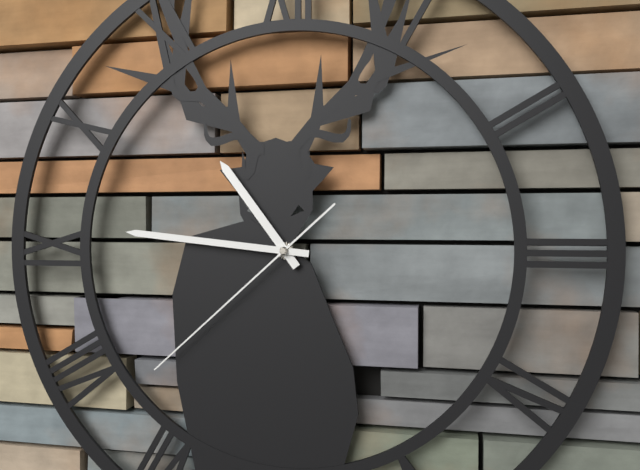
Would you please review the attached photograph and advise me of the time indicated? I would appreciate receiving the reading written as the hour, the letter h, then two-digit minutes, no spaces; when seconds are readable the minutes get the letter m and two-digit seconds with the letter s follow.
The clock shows 10h46m38s
